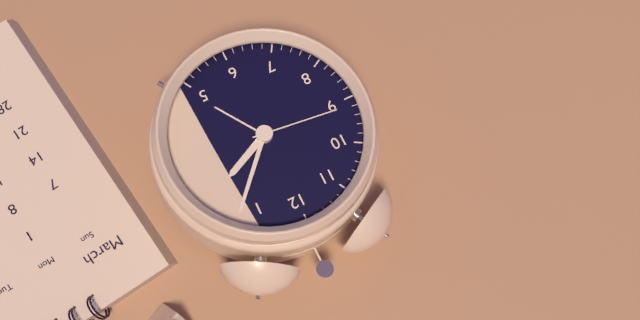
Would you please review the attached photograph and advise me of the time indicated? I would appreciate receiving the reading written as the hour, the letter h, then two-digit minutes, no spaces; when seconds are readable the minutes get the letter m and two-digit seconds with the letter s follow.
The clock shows 2h07m46s
